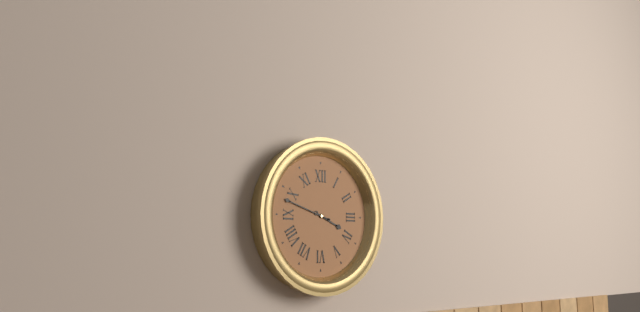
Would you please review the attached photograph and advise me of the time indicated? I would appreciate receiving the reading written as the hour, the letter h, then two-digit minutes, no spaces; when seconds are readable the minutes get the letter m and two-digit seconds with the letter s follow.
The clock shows 3h48
